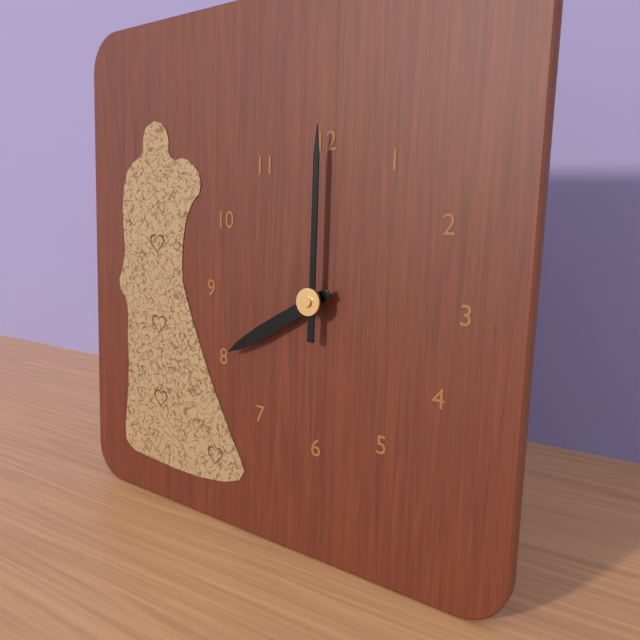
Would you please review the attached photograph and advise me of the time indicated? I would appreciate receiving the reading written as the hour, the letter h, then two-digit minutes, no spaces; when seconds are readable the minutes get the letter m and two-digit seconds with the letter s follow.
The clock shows 8h00
